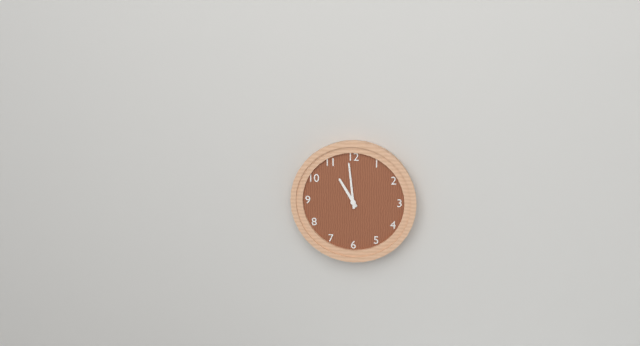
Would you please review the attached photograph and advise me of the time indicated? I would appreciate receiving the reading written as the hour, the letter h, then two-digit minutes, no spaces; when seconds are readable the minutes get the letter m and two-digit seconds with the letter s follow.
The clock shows 10h59
